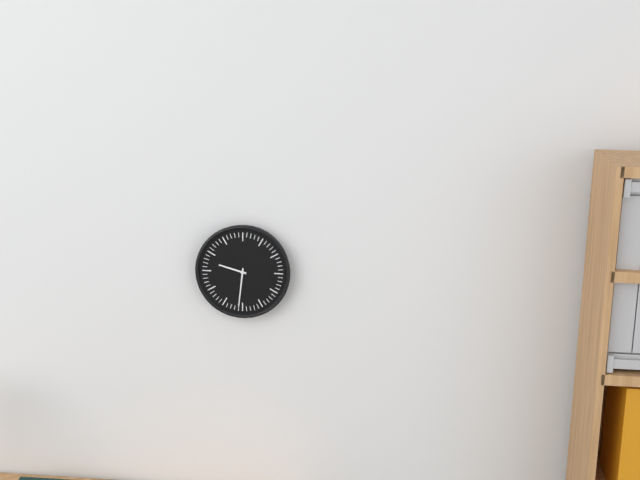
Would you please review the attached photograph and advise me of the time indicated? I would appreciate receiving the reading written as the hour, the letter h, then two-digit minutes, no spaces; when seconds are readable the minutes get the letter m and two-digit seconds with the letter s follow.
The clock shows 9h31
